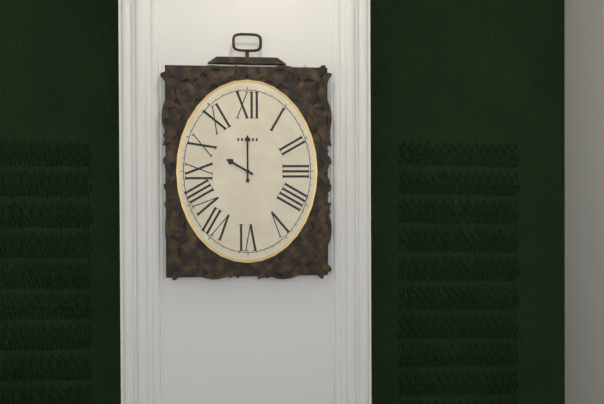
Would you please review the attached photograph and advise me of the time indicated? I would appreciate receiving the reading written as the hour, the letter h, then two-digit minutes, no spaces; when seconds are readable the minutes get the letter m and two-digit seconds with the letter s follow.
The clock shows 10h00
